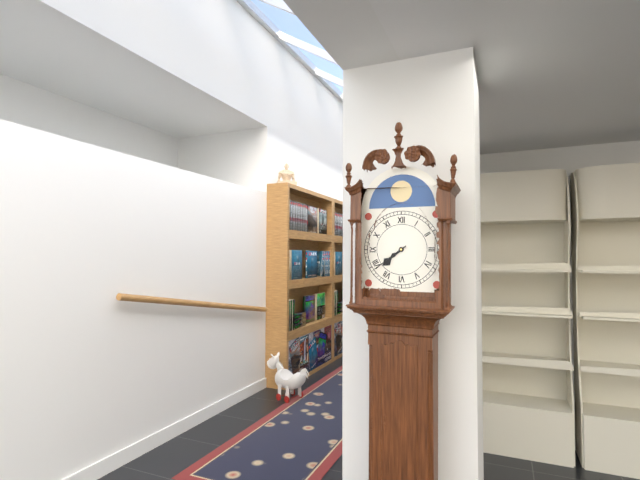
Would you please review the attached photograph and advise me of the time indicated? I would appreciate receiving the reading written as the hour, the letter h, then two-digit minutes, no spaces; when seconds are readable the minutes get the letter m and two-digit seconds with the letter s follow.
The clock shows 7h39
